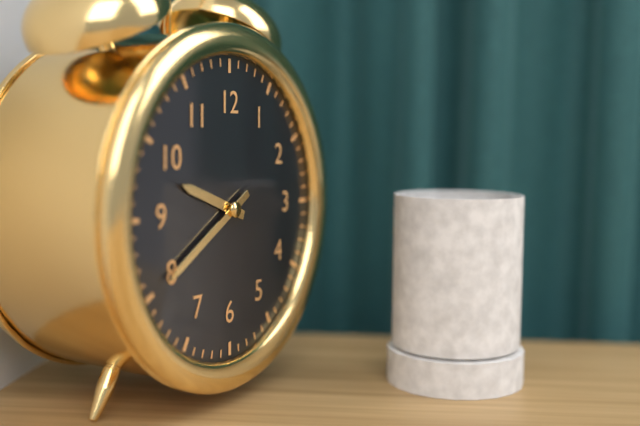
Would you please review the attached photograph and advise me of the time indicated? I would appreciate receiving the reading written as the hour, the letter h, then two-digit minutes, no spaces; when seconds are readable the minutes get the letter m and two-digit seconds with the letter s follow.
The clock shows 9h40
